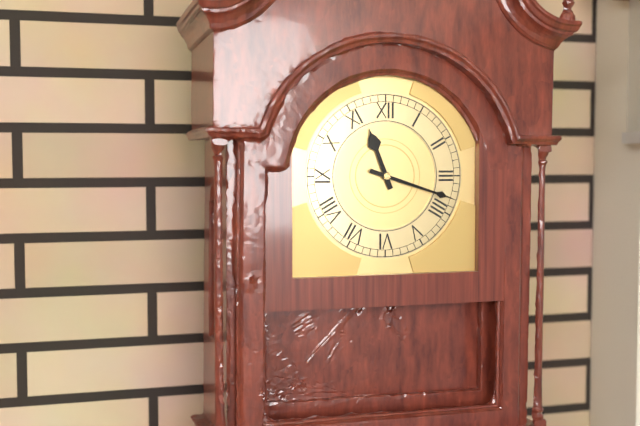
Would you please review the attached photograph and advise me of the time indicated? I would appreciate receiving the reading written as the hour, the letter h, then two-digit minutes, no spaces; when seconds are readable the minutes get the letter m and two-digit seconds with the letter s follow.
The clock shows 11h18
